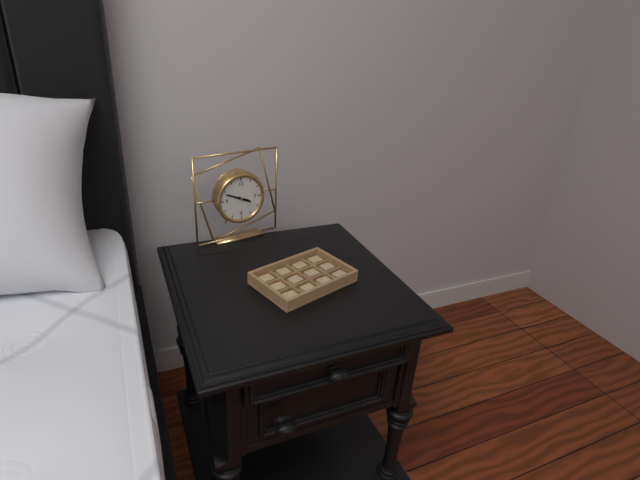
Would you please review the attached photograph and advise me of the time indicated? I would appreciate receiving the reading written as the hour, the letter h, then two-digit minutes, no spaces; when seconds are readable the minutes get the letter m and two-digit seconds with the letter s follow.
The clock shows 3h49
